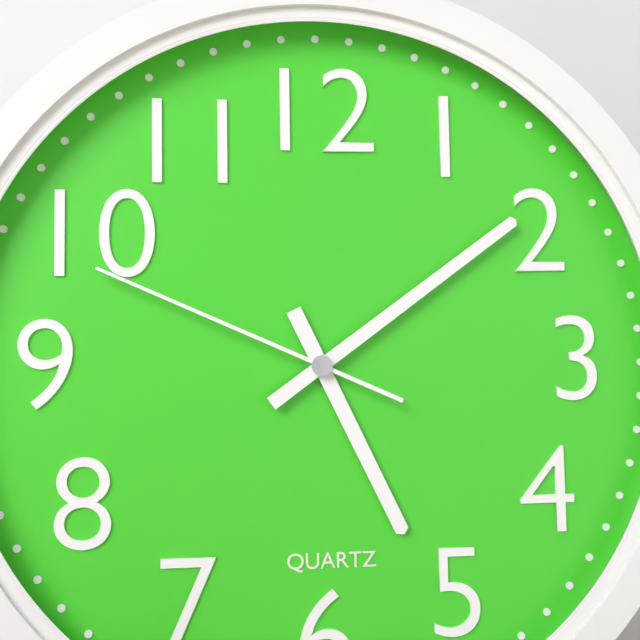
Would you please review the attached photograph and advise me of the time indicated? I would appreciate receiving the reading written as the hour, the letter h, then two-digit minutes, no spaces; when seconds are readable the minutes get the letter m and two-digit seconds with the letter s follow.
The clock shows 5h09m49s
